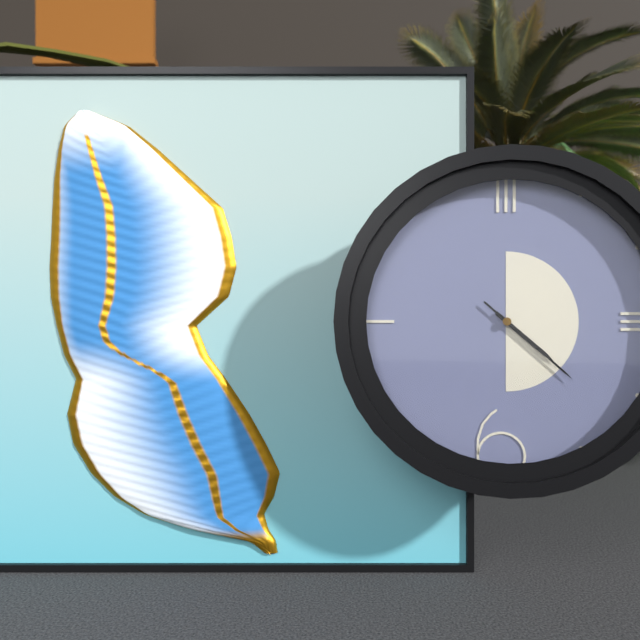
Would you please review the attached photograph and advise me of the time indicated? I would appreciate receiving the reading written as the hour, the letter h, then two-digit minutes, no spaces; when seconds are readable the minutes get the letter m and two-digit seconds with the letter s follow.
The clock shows 4h22
